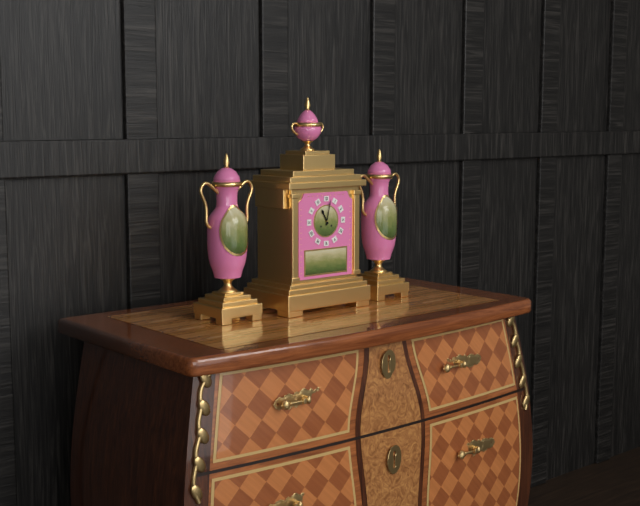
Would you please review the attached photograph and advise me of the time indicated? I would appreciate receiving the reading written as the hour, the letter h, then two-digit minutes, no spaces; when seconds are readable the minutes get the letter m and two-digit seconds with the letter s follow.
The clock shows 11h02
